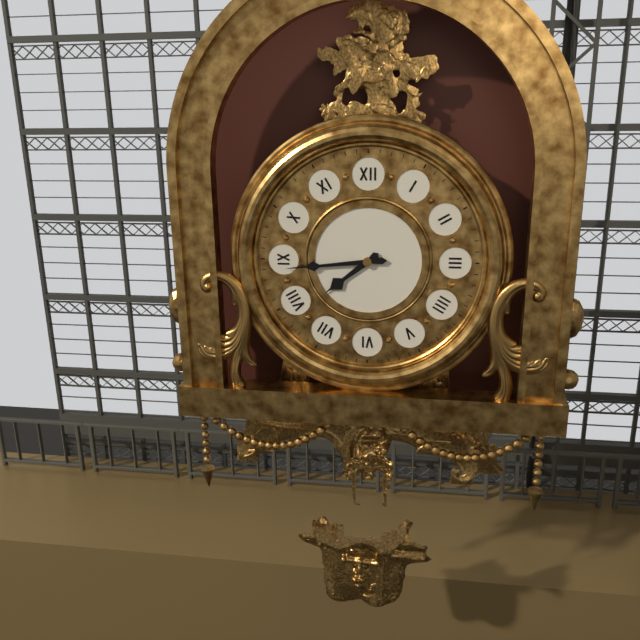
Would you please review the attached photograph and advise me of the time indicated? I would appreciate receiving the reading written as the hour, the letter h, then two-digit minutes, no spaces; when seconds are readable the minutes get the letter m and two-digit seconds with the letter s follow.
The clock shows 7h44
